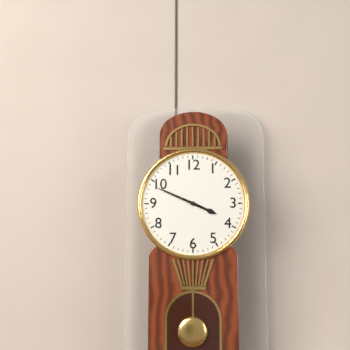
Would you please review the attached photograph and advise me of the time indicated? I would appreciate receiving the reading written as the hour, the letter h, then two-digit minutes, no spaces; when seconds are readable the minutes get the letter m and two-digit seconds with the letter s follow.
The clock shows 3h49
